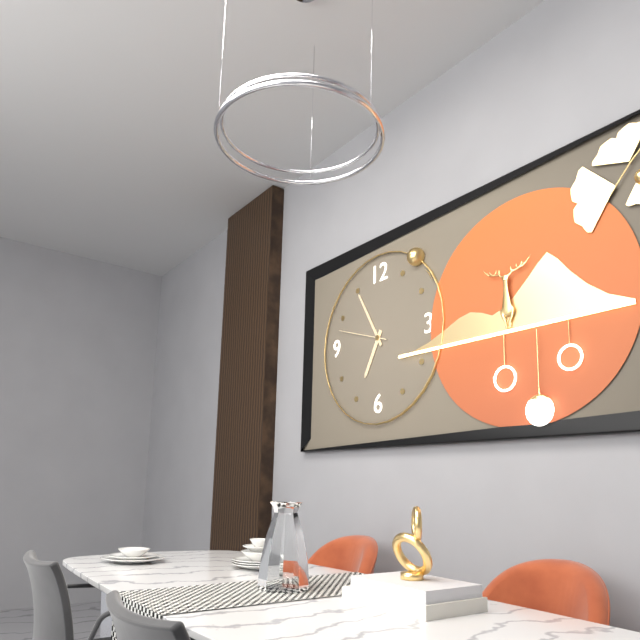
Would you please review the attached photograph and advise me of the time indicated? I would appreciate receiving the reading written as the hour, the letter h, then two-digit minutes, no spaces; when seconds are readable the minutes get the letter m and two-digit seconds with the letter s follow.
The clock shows 6h55
